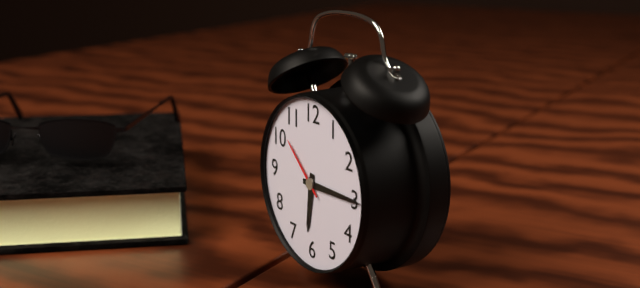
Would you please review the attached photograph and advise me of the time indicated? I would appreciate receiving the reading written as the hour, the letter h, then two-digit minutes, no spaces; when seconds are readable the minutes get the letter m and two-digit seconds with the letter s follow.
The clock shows 6h15m52s
